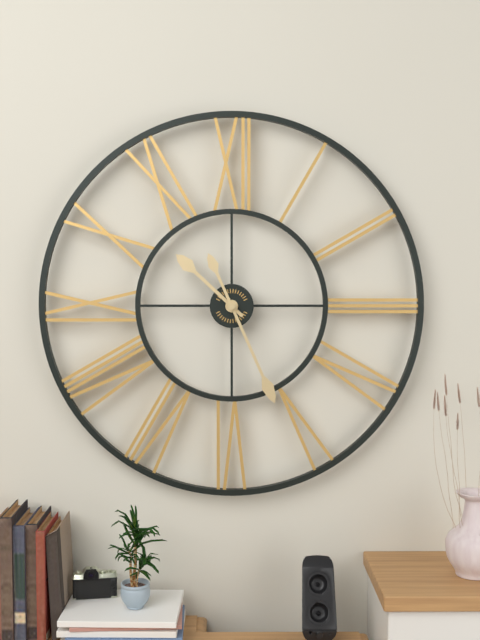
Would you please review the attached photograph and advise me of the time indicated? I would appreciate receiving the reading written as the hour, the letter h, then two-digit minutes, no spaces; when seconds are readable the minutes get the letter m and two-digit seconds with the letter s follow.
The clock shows 10h26
